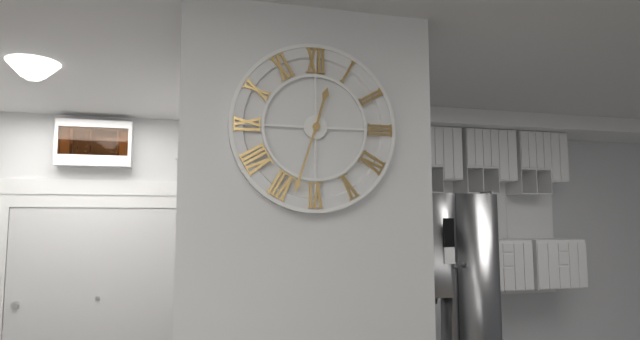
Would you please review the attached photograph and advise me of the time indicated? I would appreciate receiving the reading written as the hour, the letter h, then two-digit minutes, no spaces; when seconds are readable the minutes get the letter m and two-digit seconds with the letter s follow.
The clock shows 12h33
